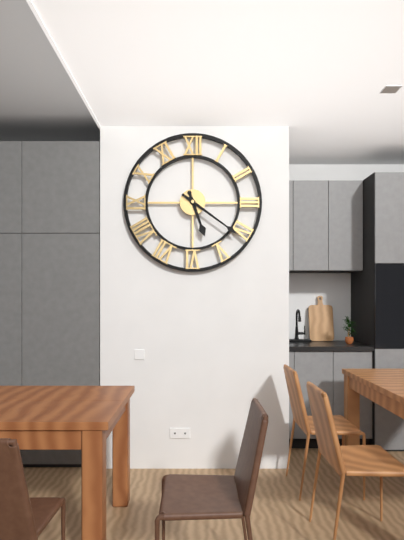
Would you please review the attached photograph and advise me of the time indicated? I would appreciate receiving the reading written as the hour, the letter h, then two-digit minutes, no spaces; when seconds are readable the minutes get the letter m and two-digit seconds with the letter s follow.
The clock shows 5h21
